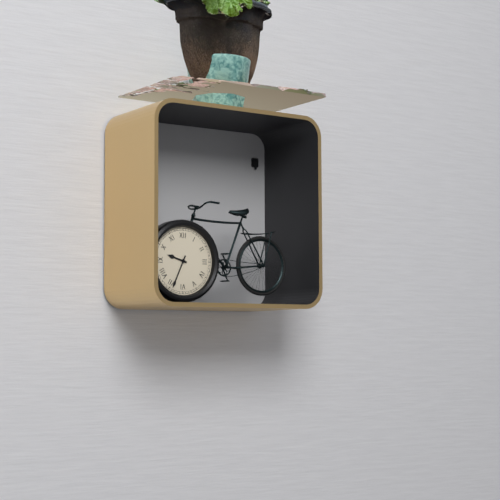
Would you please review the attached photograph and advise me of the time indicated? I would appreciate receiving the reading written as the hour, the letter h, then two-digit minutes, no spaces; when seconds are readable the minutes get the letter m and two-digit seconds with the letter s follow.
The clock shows 9h34
